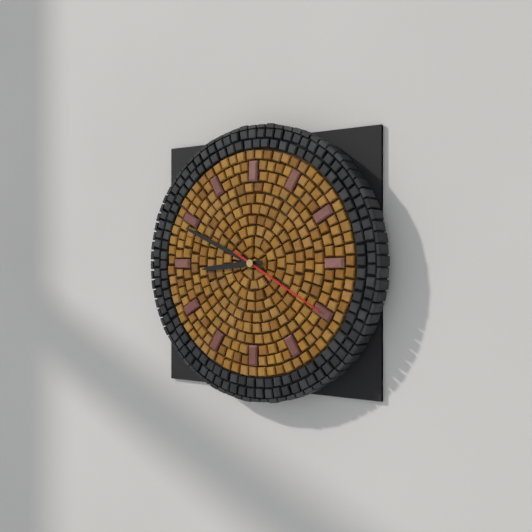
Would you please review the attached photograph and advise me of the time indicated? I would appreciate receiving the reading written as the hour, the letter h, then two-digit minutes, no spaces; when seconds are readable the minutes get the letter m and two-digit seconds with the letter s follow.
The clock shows 8h49m20s
